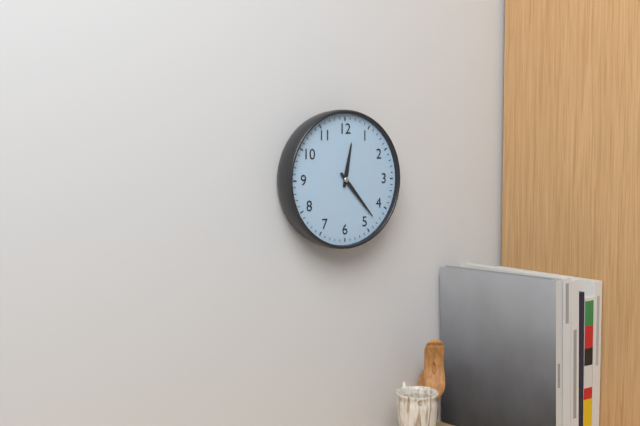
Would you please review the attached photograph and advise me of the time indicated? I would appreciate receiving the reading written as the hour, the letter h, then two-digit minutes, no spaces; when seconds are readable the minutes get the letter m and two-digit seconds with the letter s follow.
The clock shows 12h23
